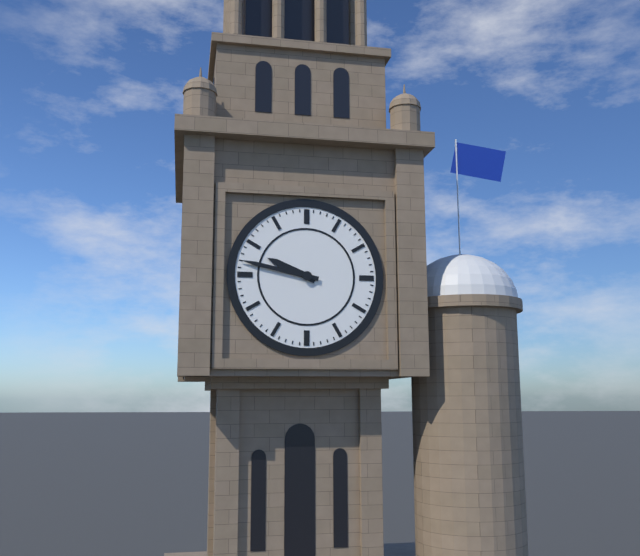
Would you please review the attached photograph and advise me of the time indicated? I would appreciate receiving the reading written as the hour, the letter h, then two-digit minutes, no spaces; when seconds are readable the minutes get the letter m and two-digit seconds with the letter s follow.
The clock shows 9h47
